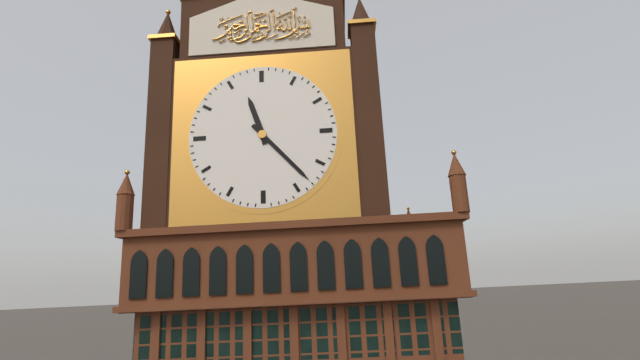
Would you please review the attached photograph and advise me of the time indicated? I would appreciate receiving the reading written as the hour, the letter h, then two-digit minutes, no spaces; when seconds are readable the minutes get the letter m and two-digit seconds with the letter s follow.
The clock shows 11h23
